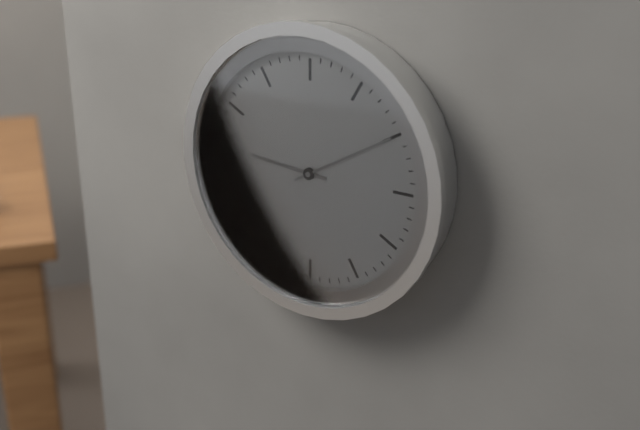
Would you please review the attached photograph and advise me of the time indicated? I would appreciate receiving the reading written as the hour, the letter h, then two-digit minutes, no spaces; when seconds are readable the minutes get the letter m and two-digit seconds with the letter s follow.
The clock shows 9h10
